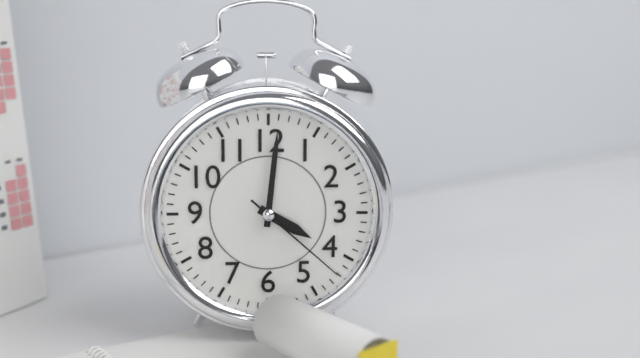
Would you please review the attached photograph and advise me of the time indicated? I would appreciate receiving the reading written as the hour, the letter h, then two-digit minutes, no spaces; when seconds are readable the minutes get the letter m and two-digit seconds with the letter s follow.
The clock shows 4h01m22s
